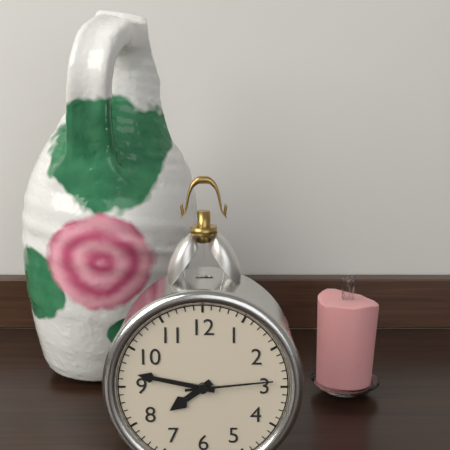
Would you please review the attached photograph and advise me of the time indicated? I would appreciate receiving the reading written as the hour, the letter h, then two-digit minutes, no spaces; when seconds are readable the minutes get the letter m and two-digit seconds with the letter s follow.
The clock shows 7h47m14s
